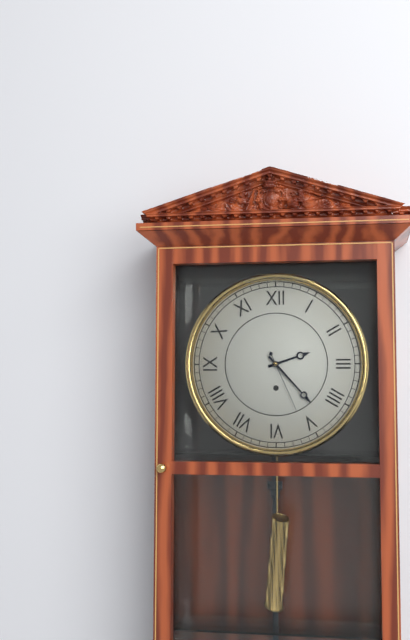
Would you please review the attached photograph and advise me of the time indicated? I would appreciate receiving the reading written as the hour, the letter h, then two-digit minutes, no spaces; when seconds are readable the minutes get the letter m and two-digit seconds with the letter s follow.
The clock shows 2h23m26s
